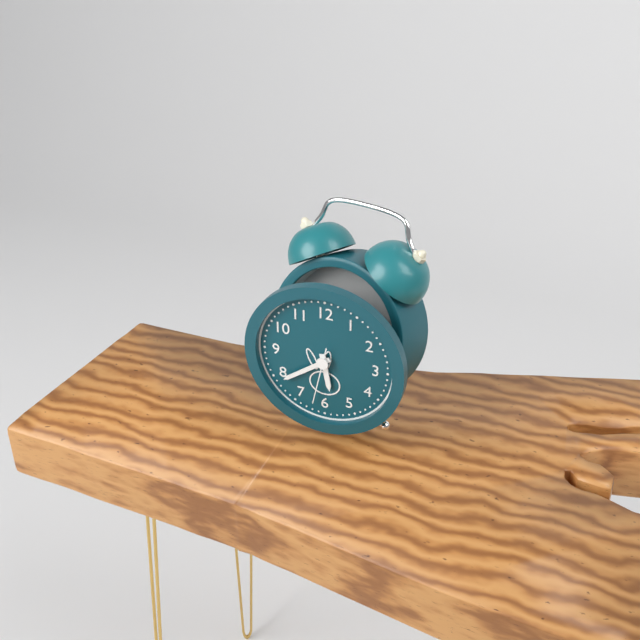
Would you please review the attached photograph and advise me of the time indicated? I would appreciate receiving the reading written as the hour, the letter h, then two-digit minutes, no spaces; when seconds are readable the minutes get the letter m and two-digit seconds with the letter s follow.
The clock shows 5h39m32s
